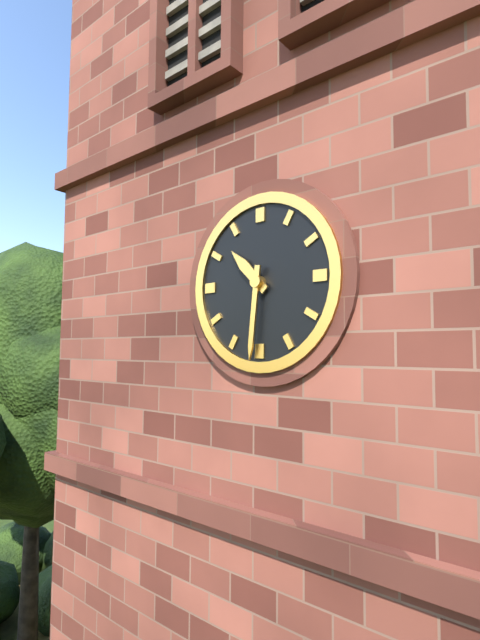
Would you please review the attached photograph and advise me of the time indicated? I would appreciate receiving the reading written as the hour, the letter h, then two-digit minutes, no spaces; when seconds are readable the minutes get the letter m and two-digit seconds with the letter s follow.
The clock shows 10h31
